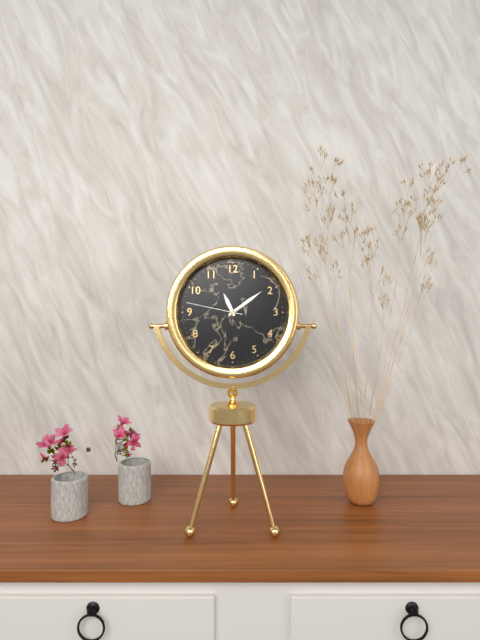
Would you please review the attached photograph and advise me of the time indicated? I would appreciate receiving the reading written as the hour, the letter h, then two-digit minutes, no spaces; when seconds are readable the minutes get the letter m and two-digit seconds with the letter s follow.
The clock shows 11h09m47s
